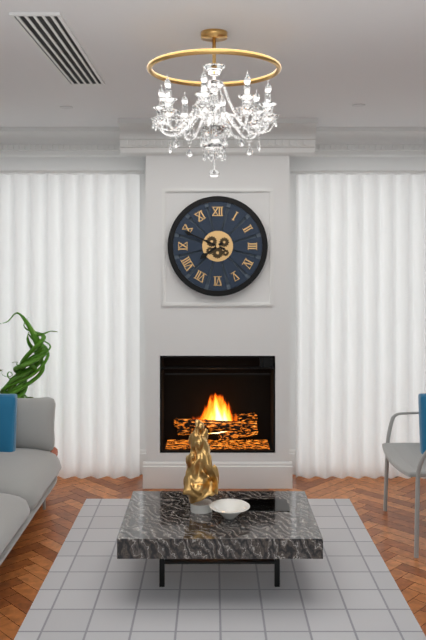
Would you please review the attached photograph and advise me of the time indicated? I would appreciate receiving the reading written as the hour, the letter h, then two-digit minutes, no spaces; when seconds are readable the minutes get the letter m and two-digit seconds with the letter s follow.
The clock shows 7h49
